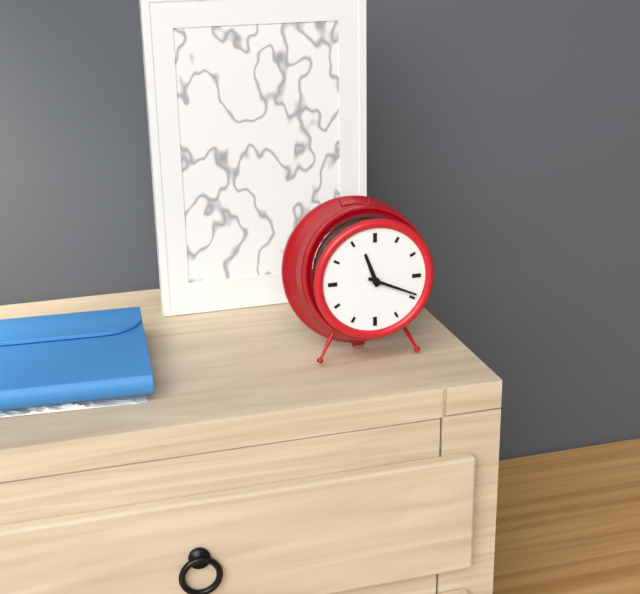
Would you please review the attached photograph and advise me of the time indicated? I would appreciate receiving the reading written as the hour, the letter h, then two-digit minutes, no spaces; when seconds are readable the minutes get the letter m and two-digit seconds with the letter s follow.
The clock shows 11h19
